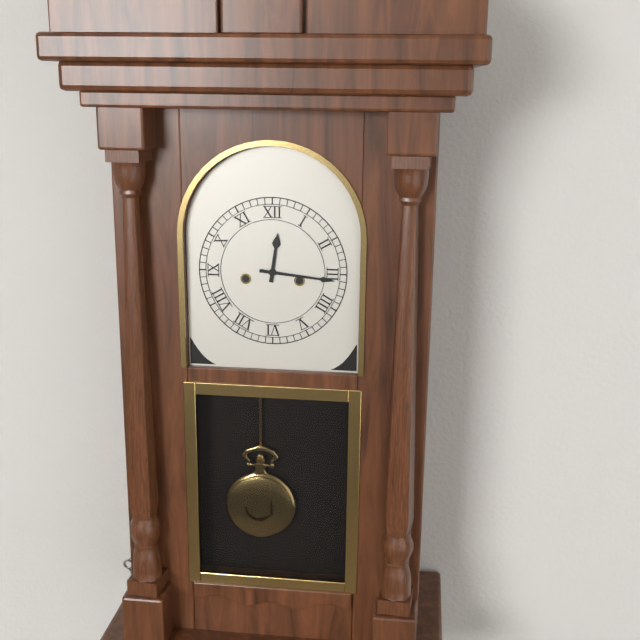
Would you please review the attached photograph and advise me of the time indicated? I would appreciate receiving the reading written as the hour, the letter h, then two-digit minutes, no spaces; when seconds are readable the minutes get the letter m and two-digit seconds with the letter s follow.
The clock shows 12h16
